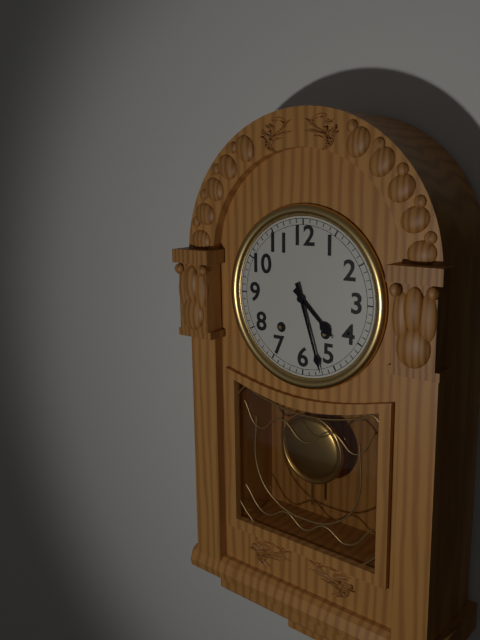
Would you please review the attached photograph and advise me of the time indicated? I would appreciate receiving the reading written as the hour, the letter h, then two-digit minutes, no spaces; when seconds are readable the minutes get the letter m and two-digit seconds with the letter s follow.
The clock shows 4h27
